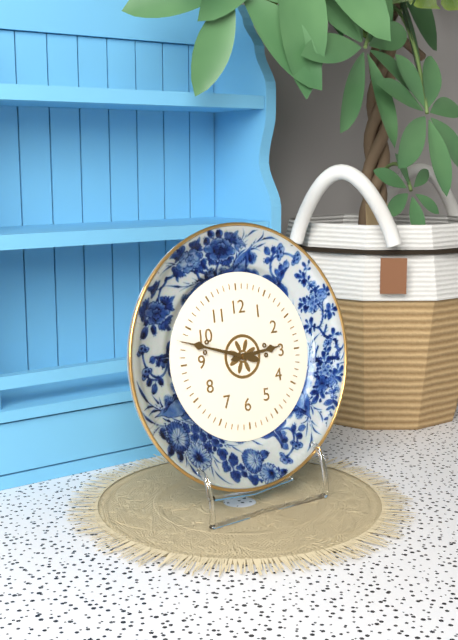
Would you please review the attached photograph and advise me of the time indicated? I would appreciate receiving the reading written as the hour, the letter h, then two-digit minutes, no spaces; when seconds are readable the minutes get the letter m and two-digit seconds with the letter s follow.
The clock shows 2h48
